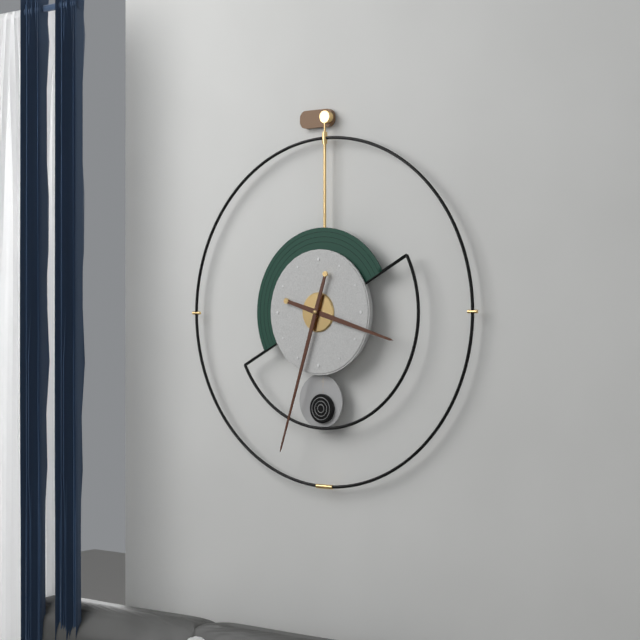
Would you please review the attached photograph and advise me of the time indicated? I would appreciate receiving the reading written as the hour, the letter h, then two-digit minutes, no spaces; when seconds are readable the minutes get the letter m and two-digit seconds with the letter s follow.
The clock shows 3h33
